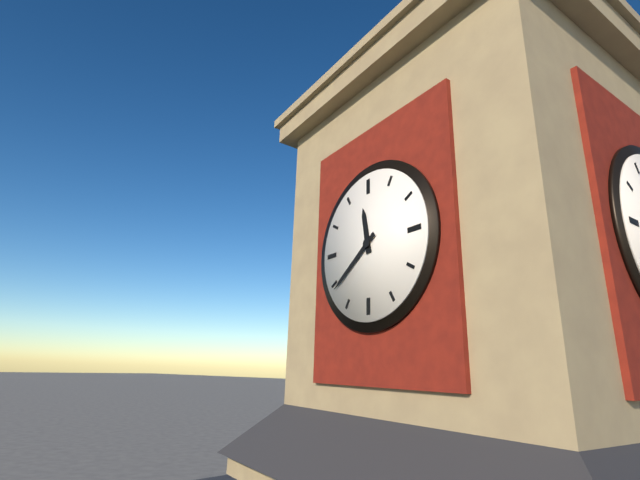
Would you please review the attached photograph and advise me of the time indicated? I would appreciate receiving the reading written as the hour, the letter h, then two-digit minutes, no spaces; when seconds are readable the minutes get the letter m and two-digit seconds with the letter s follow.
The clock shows 11h39
